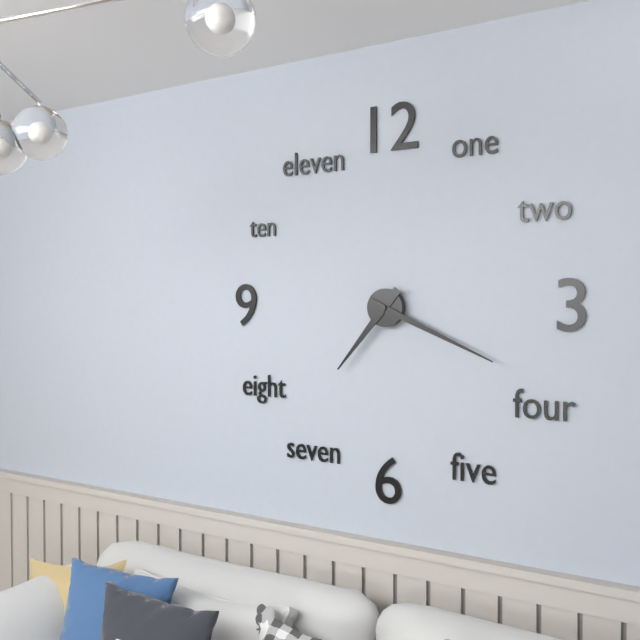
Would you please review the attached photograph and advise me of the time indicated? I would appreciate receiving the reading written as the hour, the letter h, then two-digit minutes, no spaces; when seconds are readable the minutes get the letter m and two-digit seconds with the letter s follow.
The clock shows 7h19
